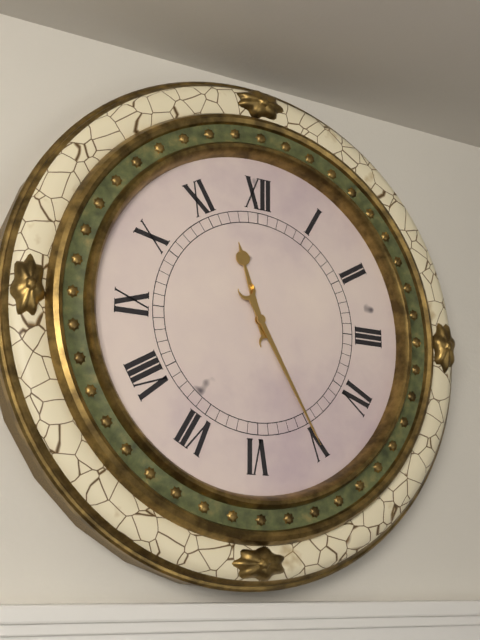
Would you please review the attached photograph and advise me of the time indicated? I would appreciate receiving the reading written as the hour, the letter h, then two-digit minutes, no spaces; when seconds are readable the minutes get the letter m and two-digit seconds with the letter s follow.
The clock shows 11h25
